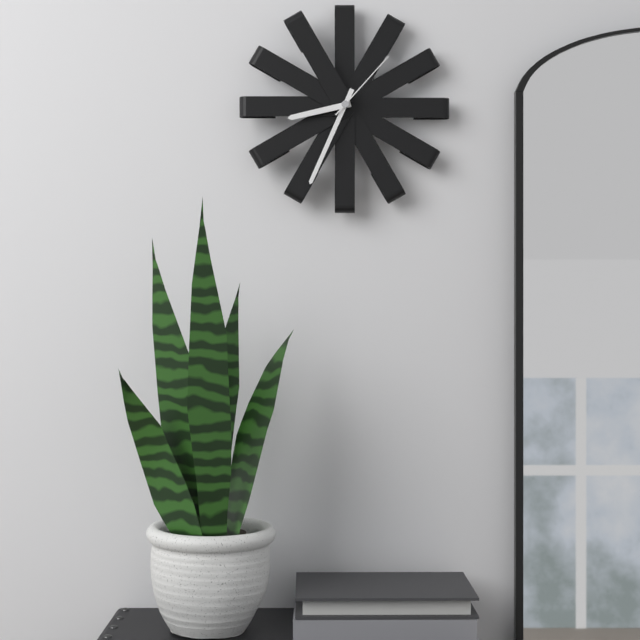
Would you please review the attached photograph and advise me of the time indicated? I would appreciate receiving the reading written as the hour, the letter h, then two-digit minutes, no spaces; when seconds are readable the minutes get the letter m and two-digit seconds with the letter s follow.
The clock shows 8h34m07s
